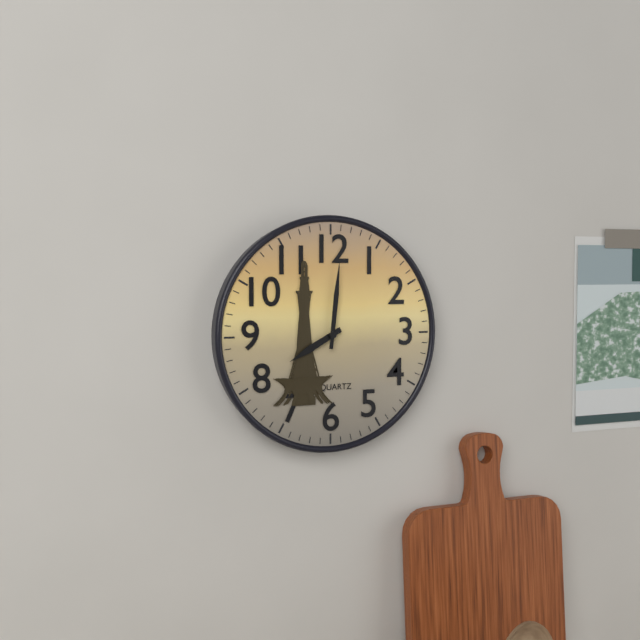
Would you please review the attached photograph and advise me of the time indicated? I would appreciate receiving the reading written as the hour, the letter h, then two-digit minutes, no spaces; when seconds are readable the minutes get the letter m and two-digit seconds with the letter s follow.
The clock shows 8h01
